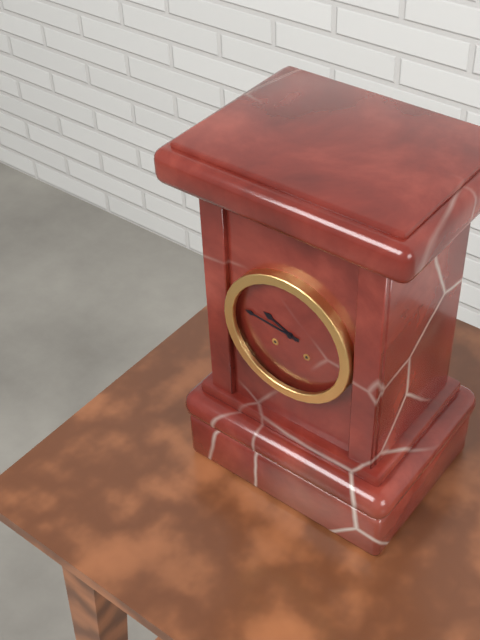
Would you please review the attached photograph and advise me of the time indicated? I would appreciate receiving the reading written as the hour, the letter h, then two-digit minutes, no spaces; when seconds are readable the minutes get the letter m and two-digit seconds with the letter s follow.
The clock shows 9h46
